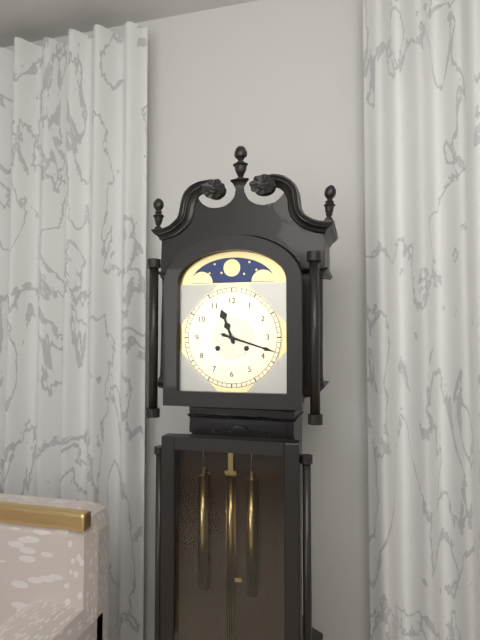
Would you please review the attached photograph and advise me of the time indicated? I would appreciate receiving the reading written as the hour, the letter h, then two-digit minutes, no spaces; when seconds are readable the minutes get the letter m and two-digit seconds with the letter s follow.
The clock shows 11h18
